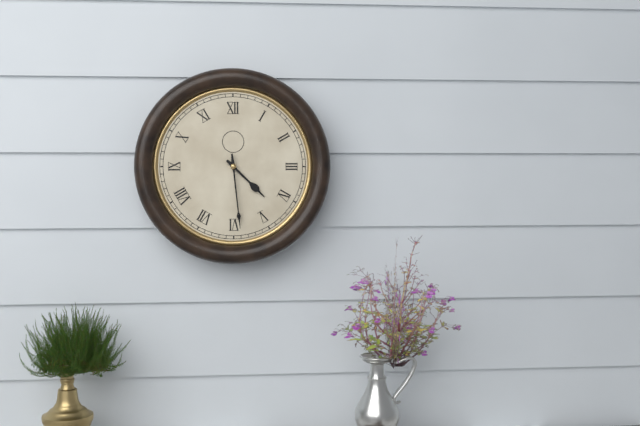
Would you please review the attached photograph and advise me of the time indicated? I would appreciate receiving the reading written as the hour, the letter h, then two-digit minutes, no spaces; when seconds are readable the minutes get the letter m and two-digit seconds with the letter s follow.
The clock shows 4h29
